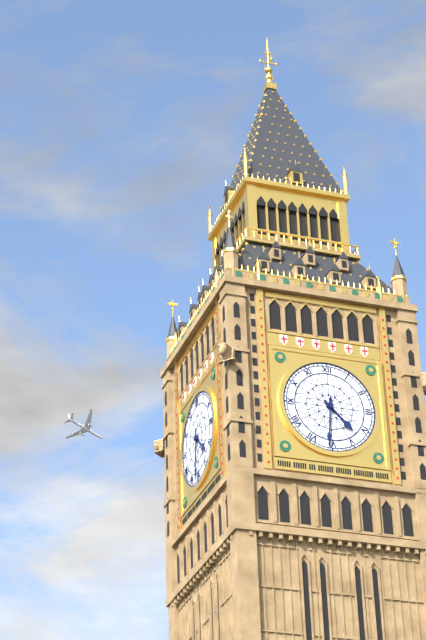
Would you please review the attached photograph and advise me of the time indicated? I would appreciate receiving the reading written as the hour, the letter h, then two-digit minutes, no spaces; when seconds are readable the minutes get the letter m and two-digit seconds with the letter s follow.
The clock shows 4h31
